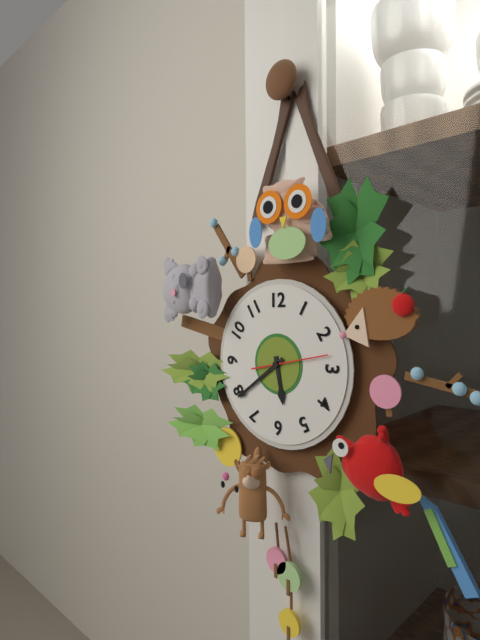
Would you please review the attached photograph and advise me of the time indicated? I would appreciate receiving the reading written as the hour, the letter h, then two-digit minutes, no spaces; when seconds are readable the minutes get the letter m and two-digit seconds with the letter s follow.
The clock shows 5h39m13s
